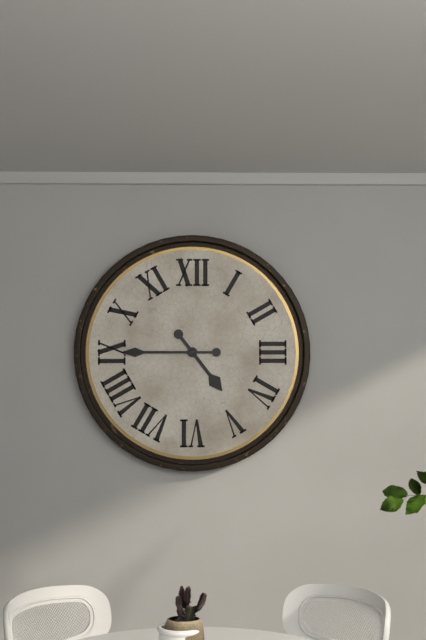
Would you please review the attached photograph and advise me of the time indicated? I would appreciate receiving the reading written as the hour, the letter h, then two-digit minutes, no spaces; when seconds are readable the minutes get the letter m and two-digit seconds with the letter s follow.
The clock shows 4h45
